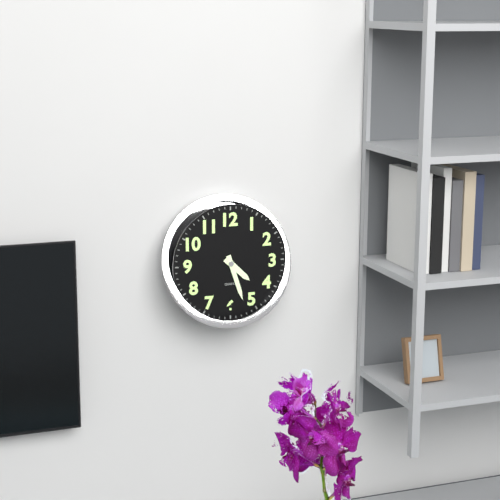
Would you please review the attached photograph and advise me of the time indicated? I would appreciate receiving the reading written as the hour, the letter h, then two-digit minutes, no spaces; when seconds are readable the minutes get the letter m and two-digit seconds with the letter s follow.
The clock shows 4h27
